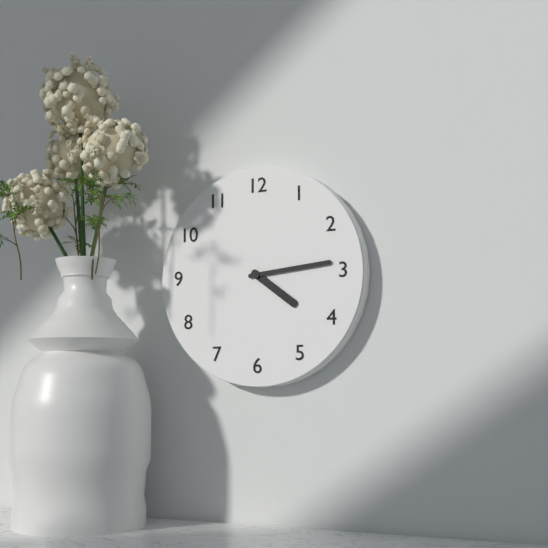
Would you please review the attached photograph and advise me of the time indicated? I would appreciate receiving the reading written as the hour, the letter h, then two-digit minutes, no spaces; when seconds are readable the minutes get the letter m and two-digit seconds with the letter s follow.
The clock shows 4h14
